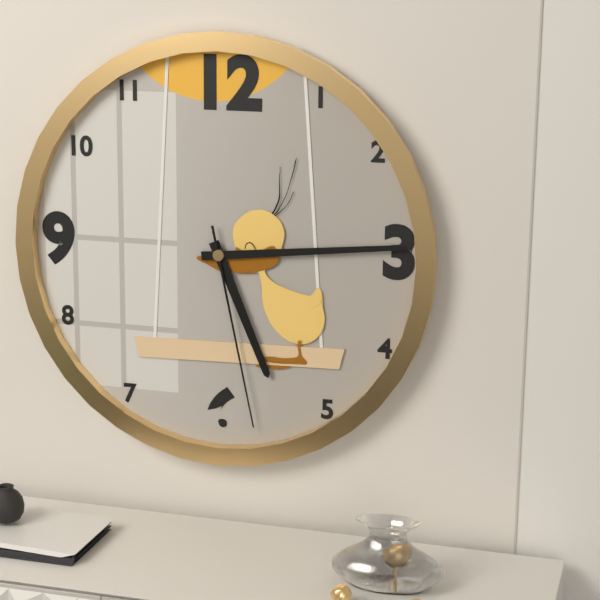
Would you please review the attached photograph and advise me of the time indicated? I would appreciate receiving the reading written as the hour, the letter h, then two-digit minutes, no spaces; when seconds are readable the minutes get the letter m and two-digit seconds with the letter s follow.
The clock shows 5h14m28s
